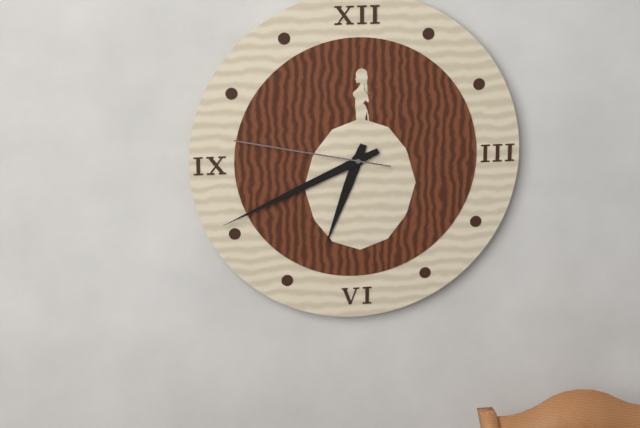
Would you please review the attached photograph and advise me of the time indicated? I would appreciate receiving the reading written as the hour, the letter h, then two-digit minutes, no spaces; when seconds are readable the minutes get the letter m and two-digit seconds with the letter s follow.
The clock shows 6h41m47s
